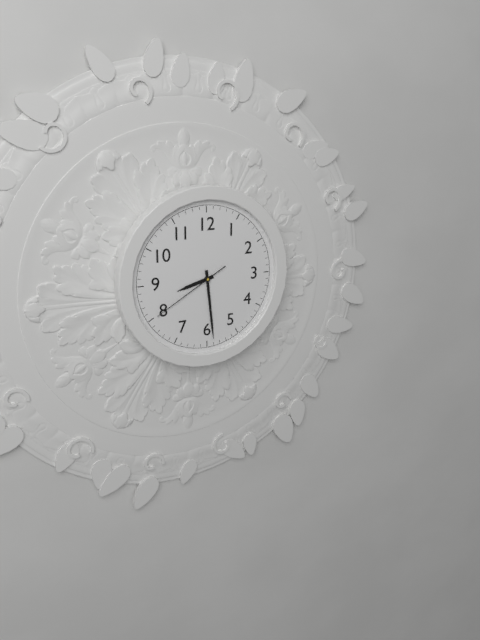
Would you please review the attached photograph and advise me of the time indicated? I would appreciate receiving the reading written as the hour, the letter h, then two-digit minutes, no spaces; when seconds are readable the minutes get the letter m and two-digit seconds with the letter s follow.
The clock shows 8h29m40s
